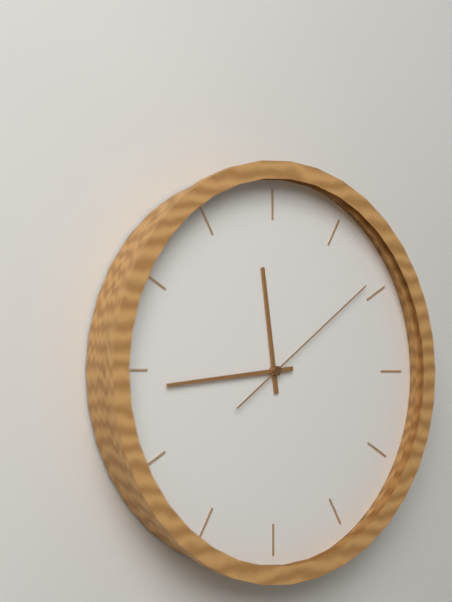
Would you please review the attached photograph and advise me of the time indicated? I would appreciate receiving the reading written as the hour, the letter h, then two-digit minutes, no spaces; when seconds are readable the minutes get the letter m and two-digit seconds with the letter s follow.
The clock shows 11h44m09s
